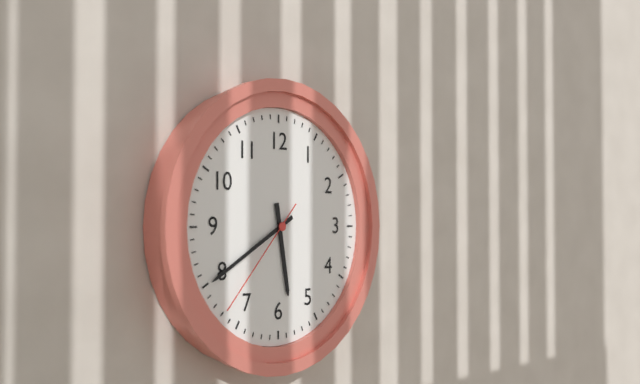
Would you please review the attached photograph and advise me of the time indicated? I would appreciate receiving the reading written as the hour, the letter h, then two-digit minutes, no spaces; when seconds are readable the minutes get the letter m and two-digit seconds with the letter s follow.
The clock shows 5h40m37s
